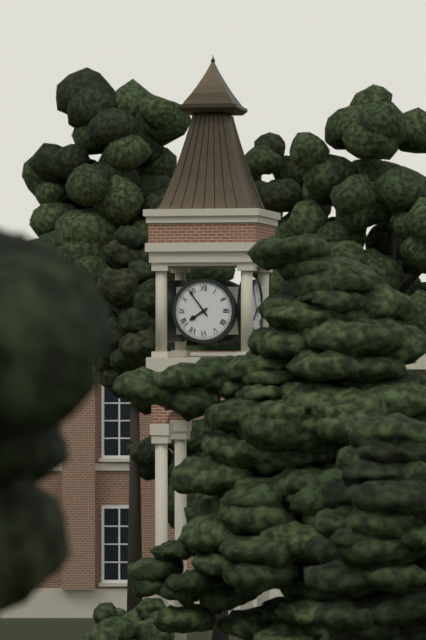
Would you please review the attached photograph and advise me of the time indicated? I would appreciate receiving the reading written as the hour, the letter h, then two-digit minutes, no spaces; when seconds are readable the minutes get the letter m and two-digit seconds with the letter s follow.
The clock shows 7h54
